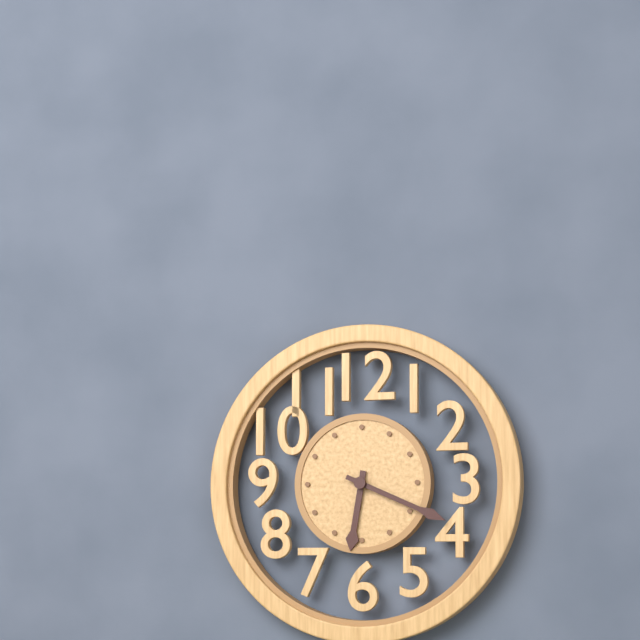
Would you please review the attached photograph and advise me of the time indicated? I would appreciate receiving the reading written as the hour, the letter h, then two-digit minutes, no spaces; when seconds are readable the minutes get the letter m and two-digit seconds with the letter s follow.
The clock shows 6h19
